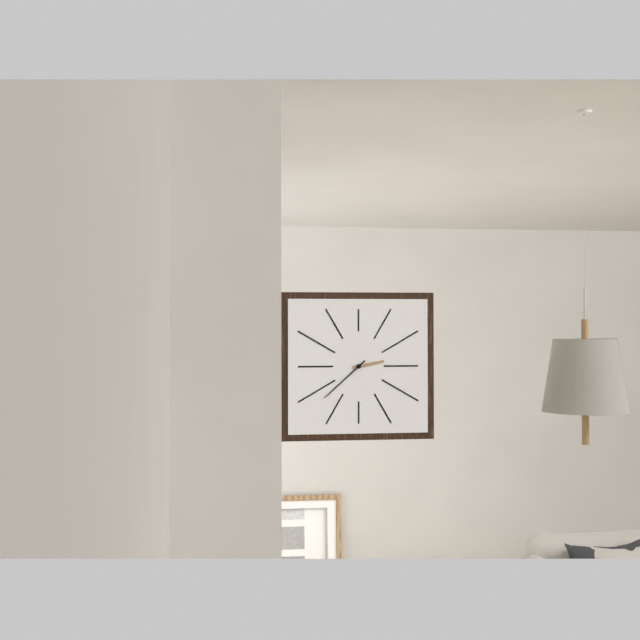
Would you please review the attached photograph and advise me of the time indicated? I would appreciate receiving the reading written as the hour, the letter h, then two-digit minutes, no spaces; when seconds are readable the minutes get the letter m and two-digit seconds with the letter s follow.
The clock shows 2h38
